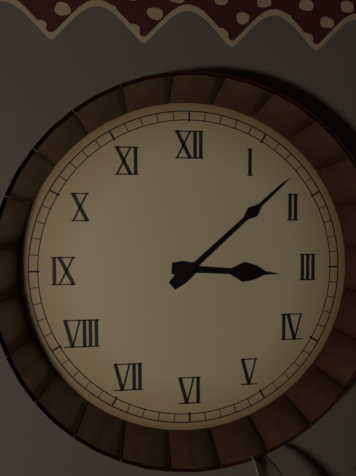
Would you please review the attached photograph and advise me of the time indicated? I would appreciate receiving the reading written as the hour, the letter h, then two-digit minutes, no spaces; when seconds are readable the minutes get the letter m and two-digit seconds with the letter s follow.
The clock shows 3h08
